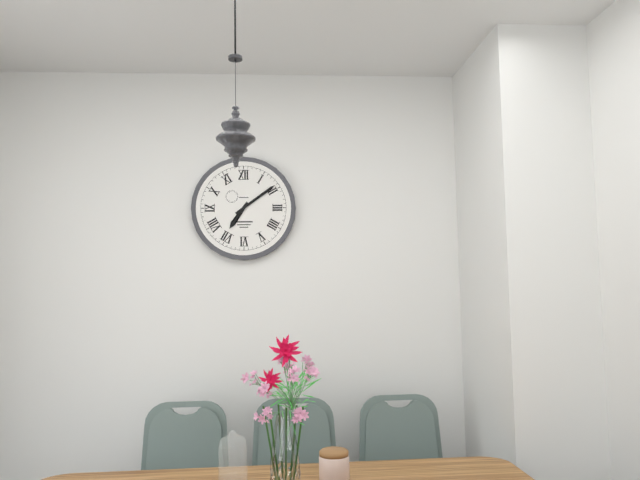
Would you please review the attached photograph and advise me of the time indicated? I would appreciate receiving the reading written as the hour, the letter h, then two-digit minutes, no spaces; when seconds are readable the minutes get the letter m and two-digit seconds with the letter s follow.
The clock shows 7h09
